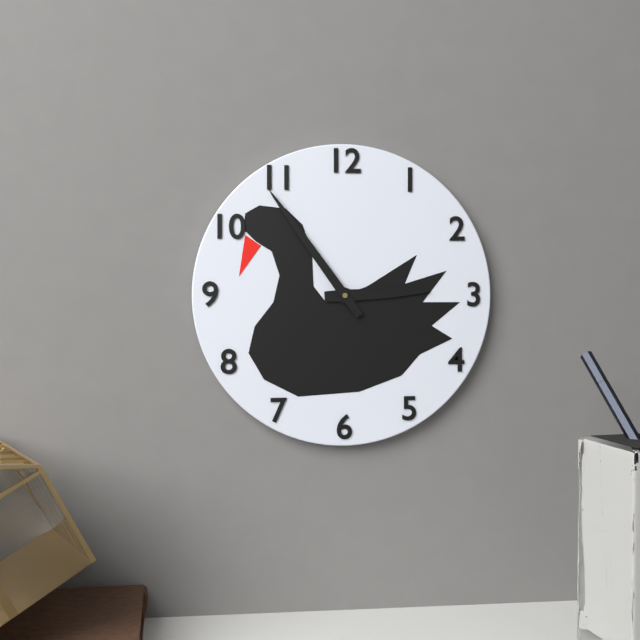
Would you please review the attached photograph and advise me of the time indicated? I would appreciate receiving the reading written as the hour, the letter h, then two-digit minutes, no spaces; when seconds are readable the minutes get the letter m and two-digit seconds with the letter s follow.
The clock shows 2h54
